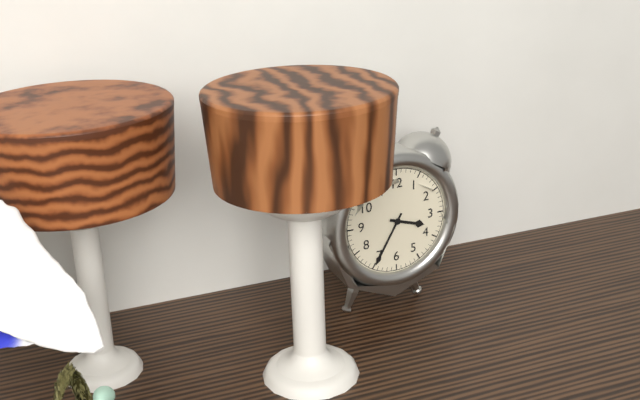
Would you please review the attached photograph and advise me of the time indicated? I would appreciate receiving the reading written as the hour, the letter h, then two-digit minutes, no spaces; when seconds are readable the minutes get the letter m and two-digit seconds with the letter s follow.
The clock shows 3h35
